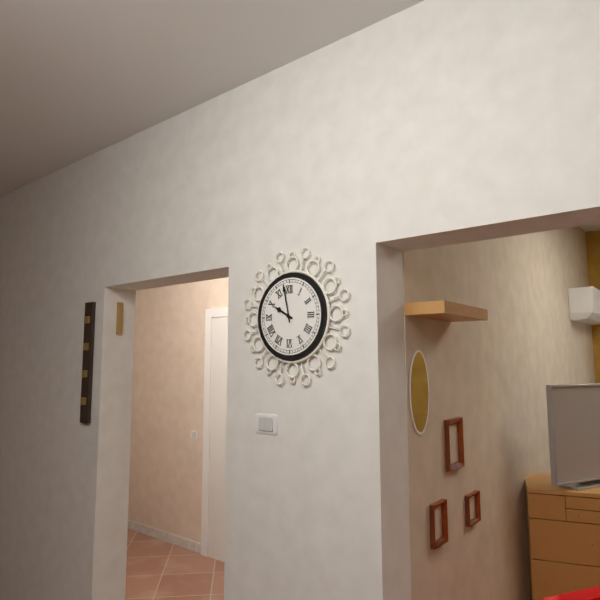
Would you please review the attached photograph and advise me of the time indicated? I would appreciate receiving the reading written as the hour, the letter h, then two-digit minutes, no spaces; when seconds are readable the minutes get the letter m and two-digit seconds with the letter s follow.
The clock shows 9h58
